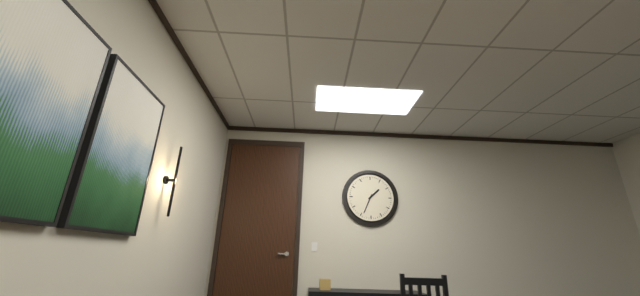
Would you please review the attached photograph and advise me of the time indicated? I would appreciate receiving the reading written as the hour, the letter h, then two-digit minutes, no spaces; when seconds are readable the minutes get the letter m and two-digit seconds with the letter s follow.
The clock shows 1h34
